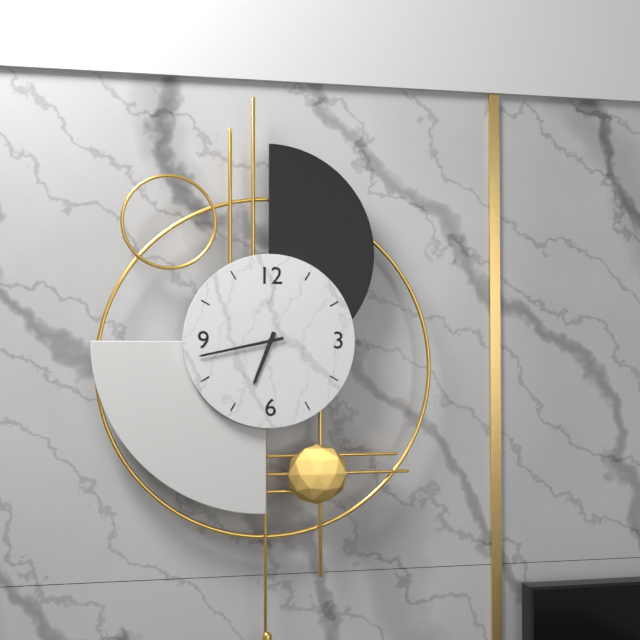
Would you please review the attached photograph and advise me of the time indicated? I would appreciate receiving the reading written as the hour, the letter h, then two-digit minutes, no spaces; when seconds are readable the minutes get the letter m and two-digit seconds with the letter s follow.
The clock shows 6h43
